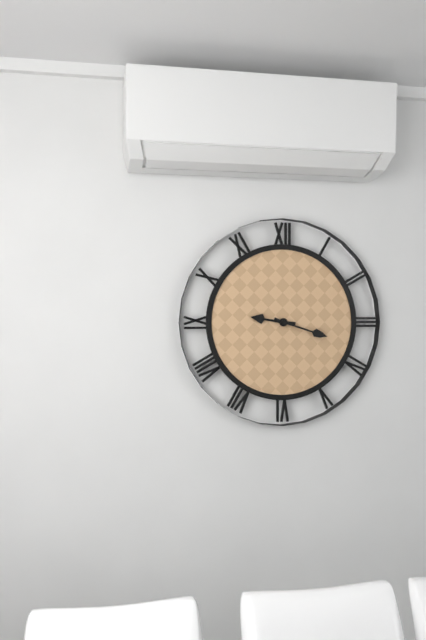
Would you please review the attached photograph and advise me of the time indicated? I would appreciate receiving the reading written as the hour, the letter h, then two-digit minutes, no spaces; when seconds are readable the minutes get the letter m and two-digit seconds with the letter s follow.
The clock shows 9h18
